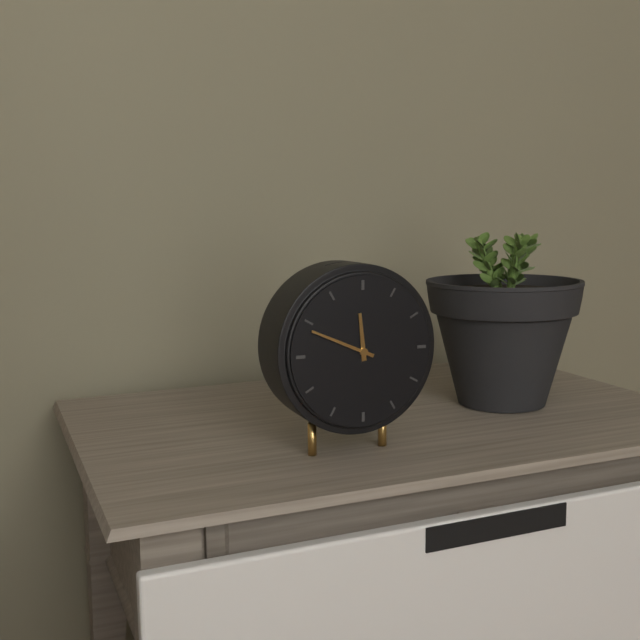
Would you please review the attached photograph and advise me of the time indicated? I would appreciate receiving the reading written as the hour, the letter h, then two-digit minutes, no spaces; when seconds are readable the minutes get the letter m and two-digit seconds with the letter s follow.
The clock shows 11h49
